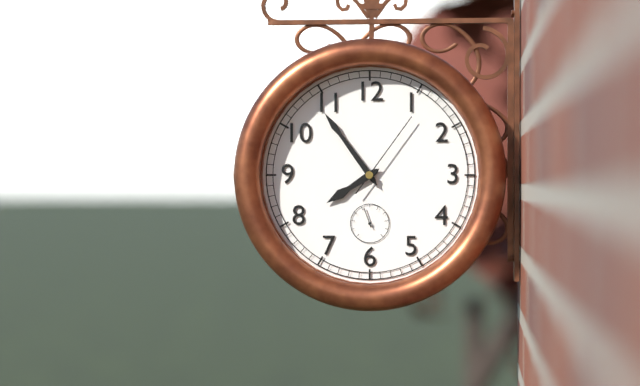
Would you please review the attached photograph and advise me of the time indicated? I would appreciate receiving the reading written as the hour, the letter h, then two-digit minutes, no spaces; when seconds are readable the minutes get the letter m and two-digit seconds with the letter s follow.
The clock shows 7h54m06s
